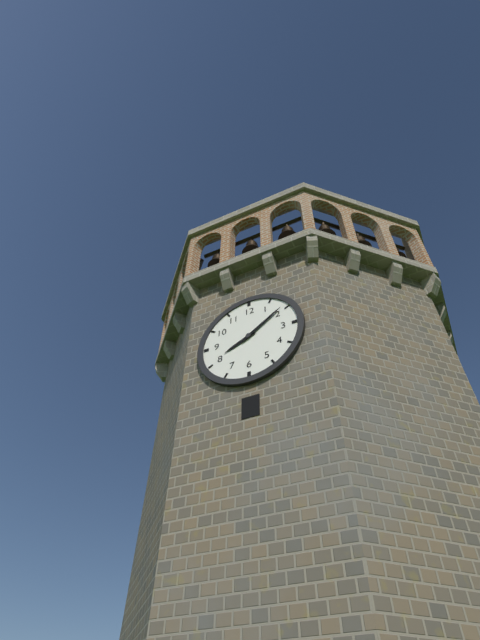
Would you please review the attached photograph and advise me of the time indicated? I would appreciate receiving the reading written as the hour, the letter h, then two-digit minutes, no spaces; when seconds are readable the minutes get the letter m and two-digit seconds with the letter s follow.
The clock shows 8h09
